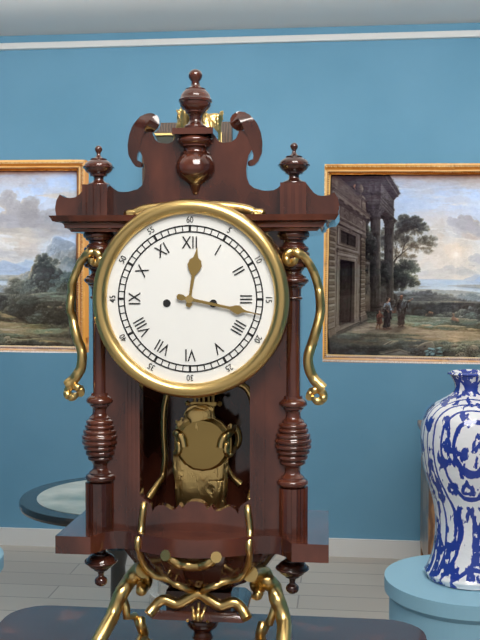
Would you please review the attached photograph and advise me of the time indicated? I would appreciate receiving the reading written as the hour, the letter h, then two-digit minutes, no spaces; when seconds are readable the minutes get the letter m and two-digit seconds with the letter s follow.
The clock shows 12h17
